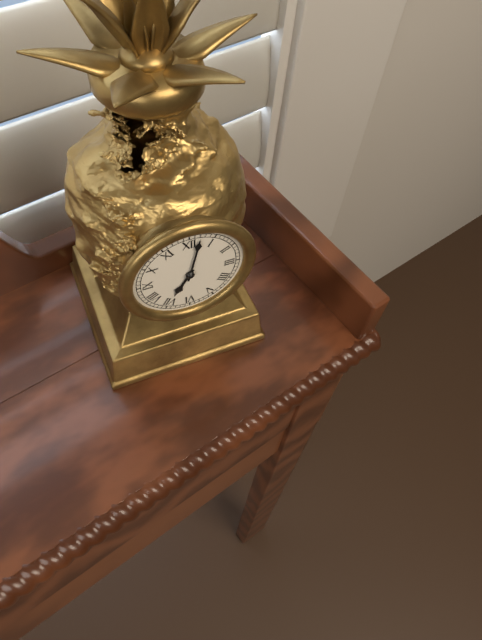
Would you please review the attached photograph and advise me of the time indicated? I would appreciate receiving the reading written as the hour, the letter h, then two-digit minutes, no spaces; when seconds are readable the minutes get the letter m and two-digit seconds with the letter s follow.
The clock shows 7h02
